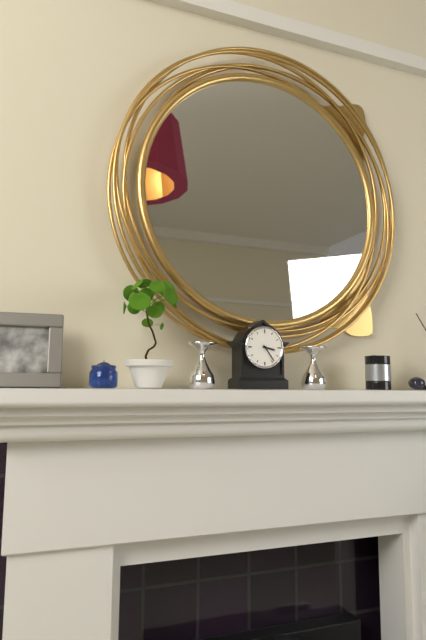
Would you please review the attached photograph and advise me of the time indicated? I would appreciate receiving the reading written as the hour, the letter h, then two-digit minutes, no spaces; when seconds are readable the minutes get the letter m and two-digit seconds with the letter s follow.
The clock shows 3h24
